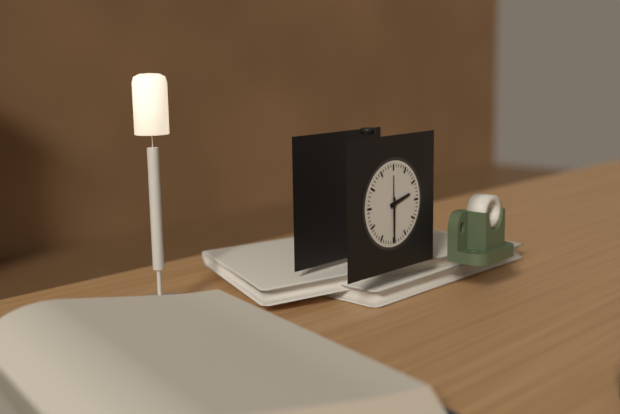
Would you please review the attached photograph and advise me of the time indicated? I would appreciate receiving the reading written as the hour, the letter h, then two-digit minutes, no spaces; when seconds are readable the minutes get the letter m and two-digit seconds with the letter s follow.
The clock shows 2h30
